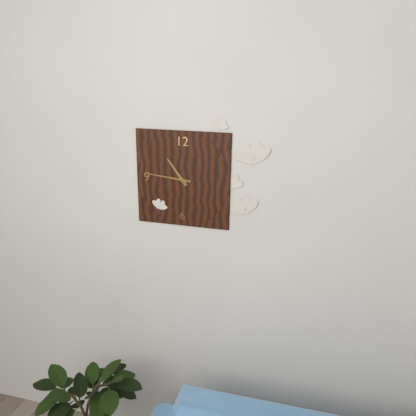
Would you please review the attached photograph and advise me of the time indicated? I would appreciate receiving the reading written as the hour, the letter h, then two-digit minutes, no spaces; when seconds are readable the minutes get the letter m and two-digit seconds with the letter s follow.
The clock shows 10h46
